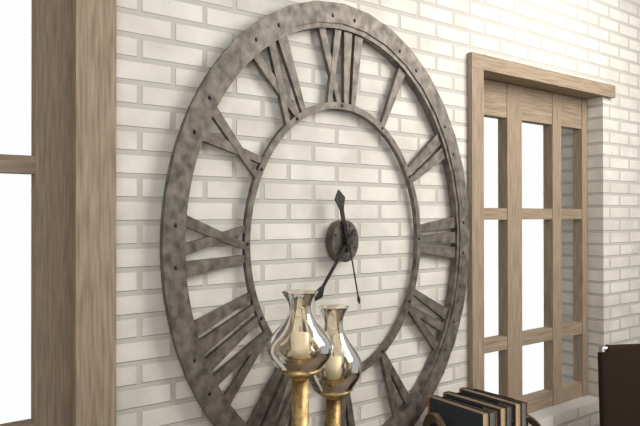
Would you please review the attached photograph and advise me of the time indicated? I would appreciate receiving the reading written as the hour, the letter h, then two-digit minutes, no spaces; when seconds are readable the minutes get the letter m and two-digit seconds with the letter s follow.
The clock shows 11h36m28s
